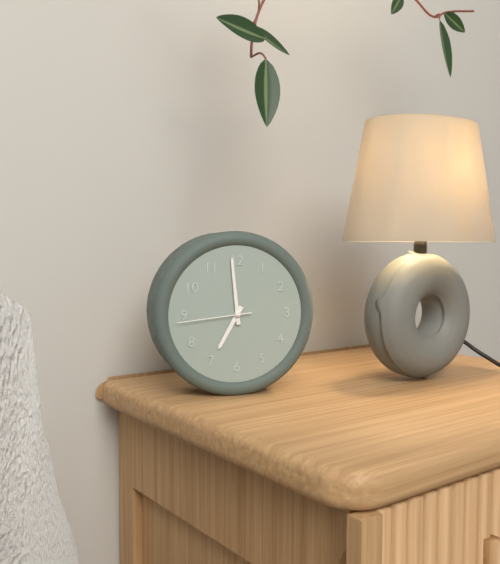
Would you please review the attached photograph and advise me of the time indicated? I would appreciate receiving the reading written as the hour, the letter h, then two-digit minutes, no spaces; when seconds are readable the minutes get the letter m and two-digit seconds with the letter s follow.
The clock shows 6h59m44s
